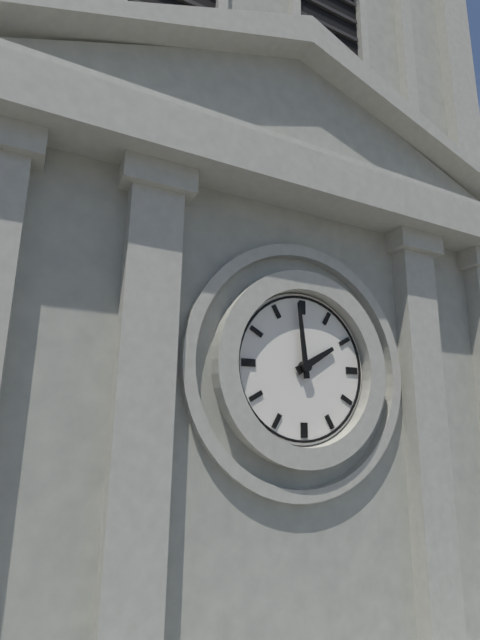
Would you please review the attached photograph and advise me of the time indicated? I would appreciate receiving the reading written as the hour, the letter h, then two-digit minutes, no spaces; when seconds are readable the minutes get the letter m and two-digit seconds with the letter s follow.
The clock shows 1h59
